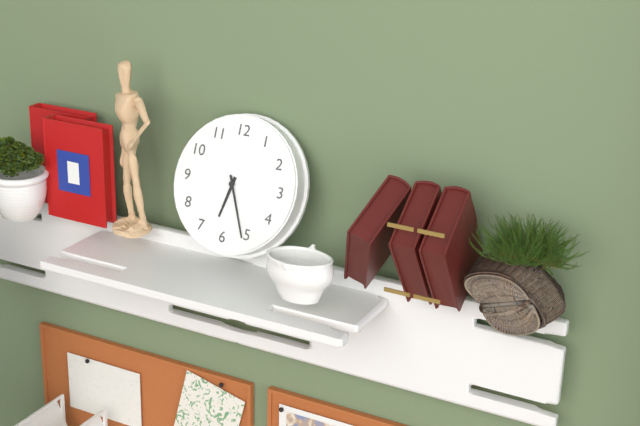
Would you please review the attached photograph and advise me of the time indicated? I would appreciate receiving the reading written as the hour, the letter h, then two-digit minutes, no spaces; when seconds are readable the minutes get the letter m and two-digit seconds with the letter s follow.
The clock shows 6h26
